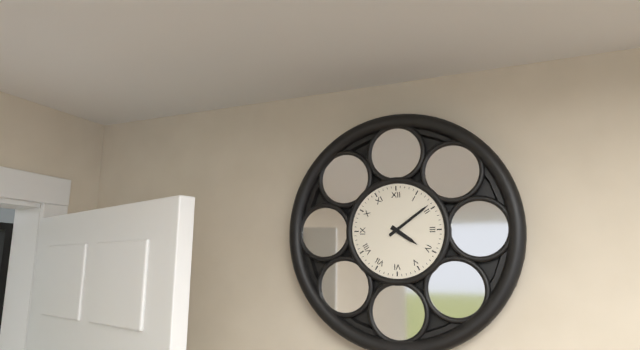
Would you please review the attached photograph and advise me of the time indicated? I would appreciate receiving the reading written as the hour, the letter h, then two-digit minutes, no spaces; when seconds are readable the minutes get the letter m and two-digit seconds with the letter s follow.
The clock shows 4h09
